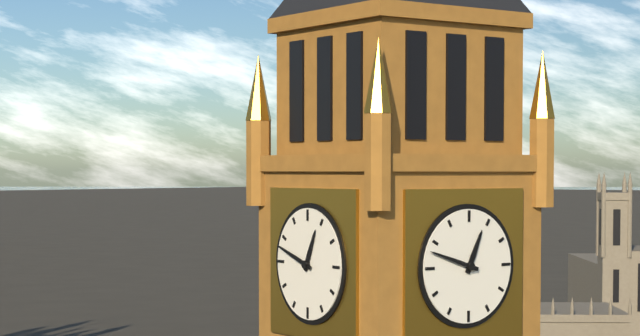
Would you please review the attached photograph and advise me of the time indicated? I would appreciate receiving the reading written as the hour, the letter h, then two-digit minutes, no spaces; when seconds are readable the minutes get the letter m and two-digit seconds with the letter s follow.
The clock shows 12h48
